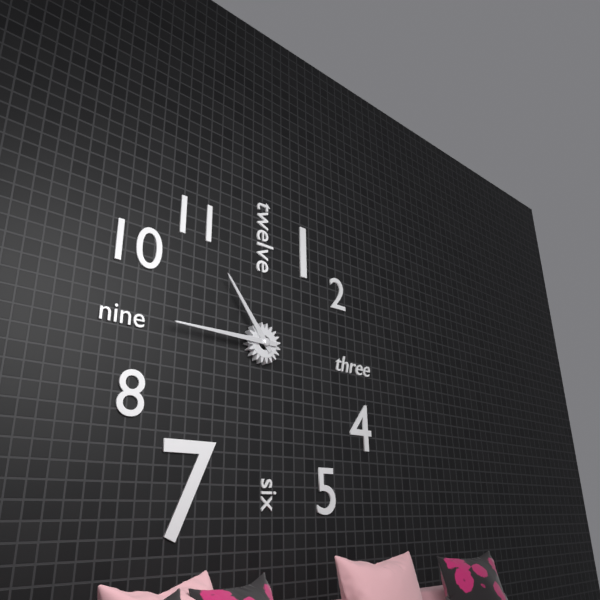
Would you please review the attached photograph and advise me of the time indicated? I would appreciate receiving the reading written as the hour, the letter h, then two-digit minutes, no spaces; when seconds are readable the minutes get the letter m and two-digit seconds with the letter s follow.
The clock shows 10h45
